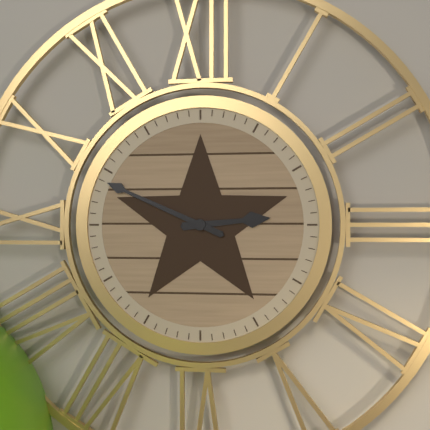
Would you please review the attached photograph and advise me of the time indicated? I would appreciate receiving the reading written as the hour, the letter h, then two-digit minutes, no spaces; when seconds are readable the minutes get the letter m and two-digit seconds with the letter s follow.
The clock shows 2h49
